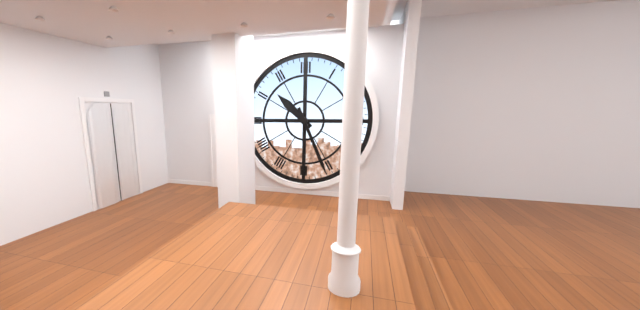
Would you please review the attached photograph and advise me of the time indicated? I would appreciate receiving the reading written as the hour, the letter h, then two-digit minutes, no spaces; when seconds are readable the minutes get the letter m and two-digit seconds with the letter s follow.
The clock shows 10h26
